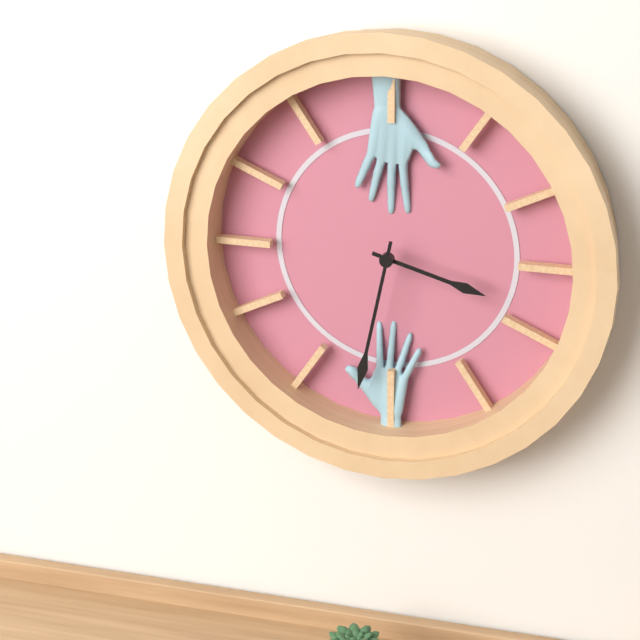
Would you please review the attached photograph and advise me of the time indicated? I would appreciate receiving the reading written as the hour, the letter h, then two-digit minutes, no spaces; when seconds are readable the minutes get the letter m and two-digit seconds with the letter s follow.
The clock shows 3h32
